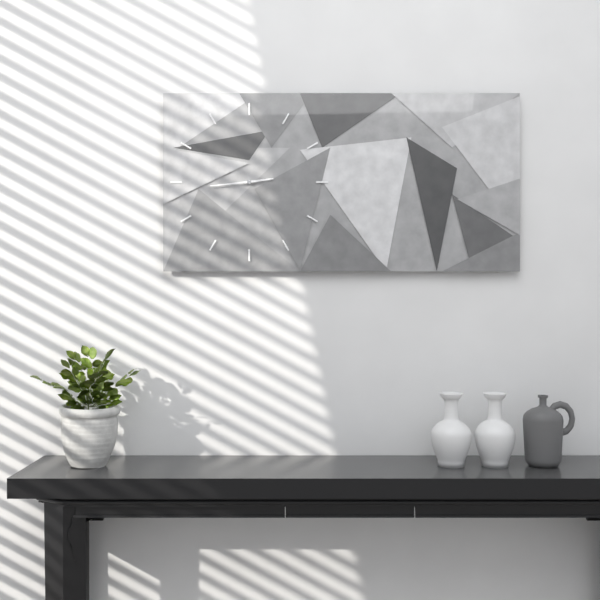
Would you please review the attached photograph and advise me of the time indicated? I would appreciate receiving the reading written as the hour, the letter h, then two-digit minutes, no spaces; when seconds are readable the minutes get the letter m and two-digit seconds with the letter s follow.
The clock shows 2h44
